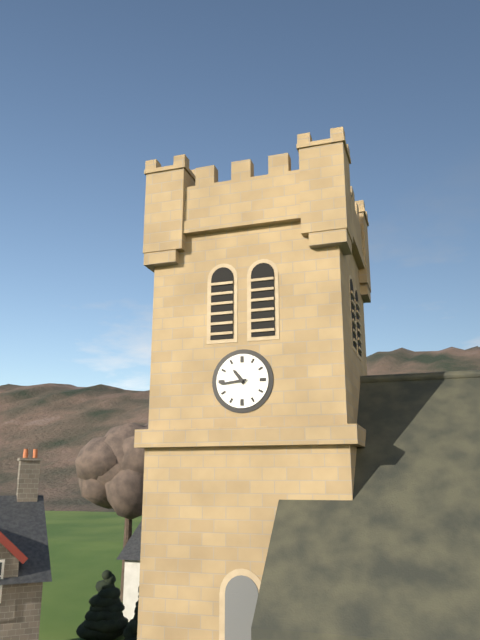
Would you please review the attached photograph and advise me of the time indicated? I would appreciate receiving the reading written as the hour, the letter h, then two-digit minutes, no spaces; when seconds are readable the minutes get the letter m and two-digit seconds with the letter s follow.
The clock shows 10h44
